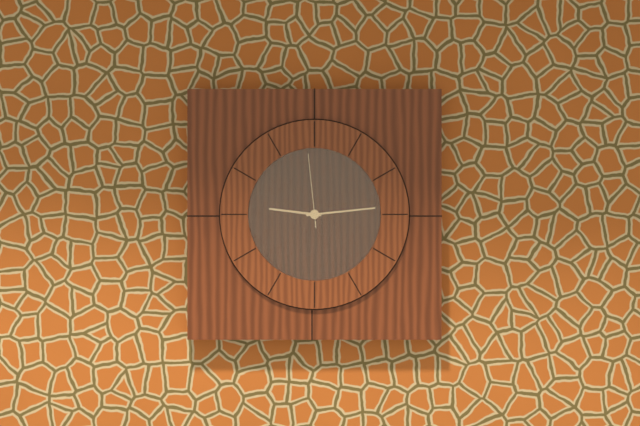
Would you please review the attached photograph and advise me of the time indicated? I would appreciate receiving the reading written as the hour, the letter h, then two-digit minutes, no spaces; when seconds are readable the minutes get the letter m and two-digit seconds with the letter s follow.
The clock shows 9h14m59s
